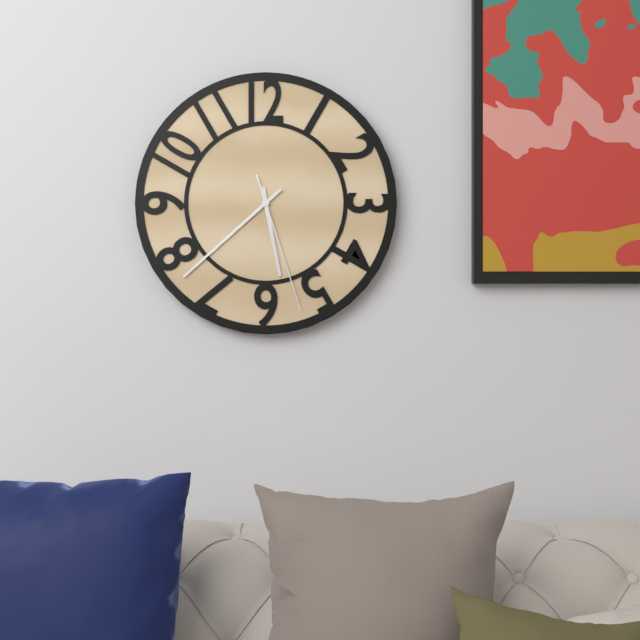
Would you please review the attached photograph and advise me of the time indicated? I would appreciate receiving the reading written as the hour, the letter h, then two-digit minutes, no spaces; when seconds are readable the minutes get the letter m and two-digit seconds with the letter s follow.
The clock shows 5h38m27s
